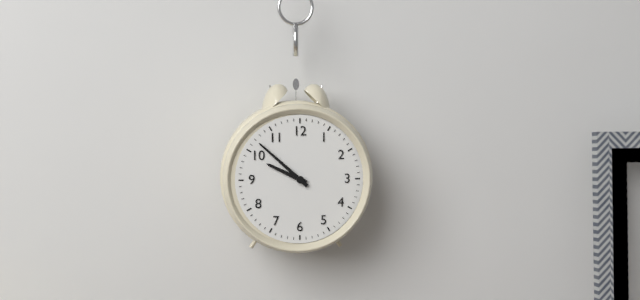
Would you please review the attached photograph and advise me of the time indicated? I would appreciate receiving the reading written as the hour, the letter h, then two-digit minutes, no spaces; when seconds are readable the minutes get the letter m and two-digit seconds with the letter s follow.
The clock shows 9h52
